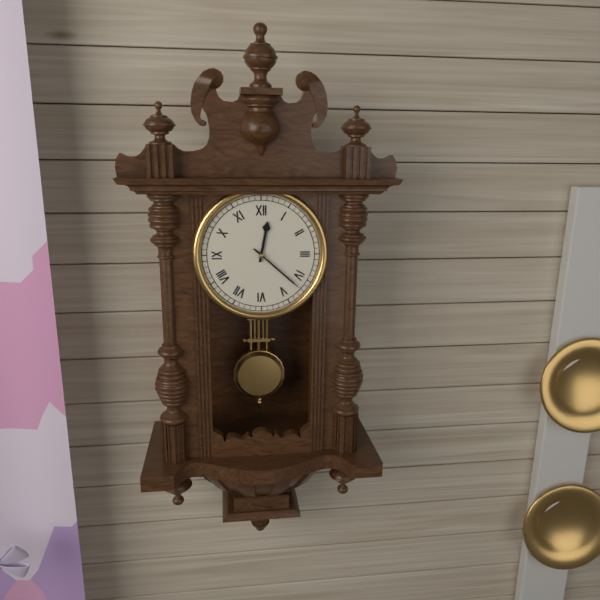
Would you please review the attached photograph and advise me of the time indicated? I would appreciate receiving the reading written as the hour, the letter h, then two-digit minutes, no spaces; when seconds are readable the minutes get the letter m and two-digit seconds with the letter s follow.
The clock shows 12h22
